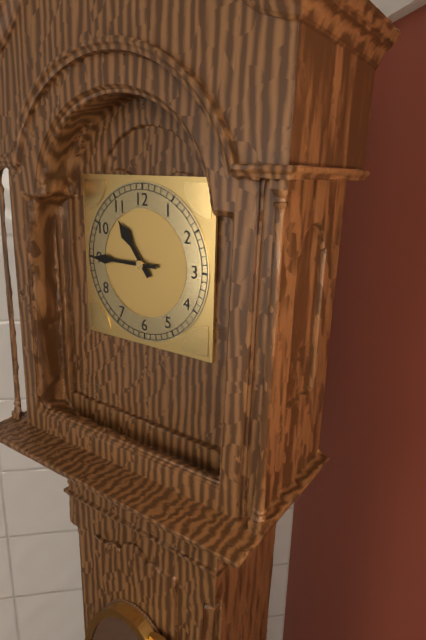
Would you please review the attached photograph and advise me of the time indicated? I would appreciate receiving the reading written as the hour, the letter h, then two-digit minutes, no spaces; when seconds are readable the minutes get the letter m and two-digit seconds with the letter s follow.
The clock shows 10h45
